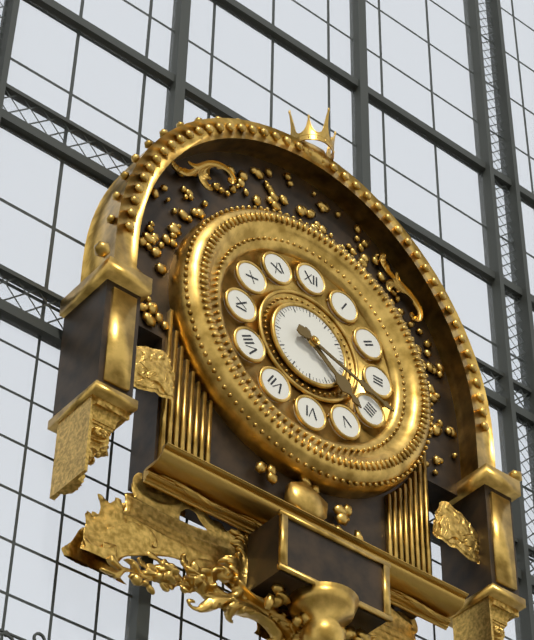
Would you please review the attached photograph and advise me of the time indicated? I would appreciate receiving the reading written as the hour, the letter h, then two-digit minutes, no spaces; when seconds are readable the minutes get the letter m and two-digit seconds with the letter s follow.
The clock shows 4h18
